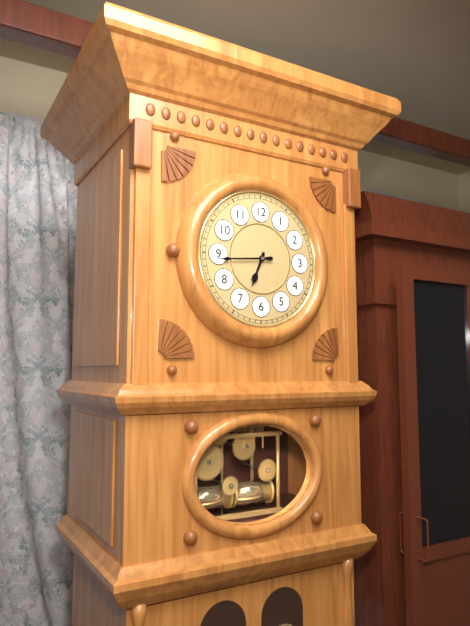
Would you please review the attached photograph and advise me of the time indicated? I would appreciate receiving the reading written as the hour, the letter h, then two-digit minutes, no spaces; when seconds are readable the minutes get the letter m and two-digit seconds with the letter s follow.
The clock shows 6h44
